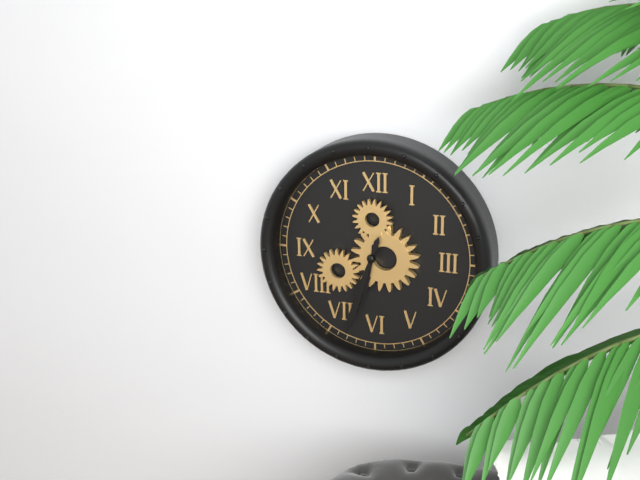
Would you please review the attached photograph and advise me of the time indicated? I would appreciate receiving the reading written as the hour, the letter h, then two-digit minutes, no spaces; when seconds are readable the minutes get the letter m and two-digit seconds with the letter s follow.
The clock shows 6h33
